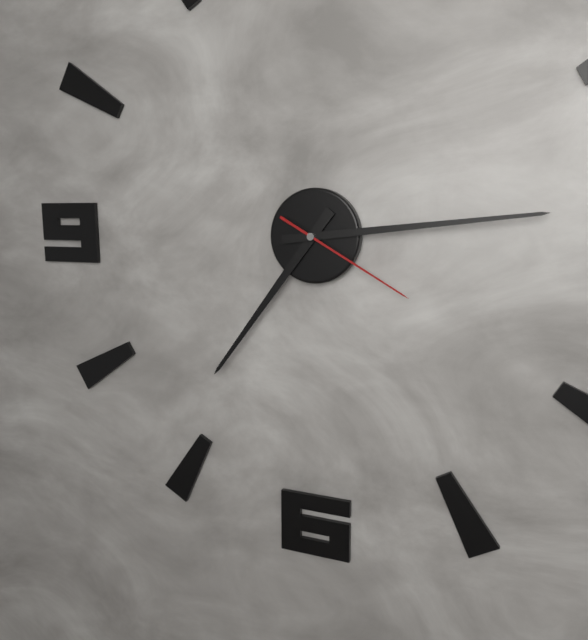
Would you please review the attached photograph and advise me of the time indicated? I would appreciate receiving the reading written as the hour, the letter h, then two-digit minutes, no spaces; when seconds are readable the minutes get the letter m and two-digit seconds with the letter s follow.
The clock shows 7h14m20s
